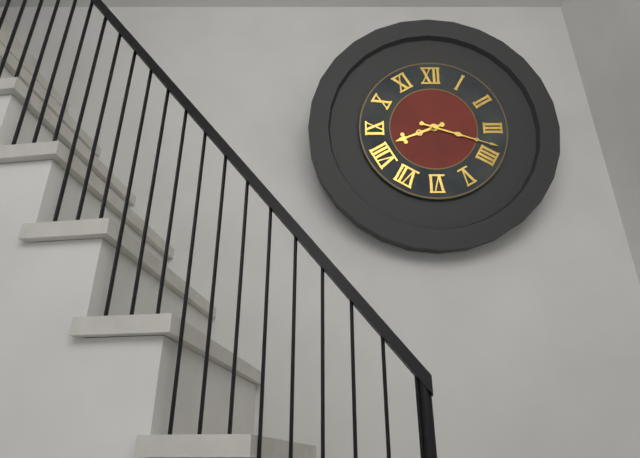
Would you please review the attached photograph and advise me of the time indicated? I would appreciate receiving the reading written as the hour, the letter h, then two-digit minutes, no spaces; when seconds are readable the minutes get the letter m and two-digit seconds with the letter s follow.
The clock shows 8h18
